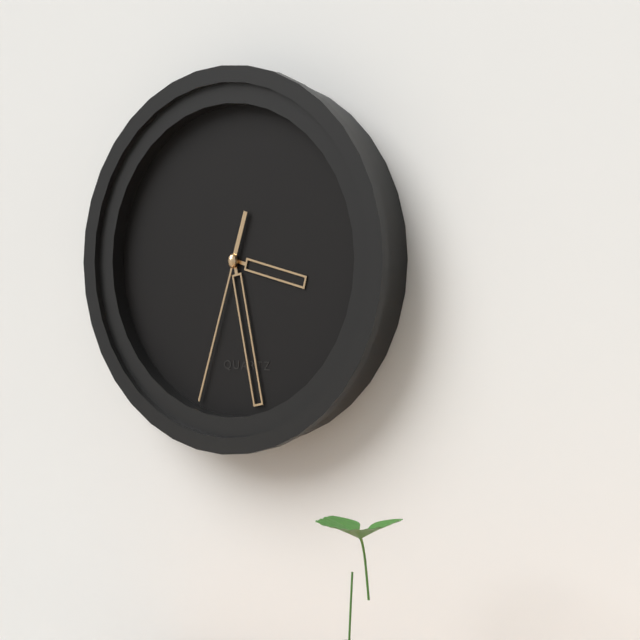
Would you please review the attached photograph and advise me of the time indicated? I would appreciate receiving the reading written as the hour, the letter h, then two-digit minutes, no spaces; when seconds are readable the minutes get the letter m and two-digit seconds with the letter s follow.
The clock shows 3h28m33s
